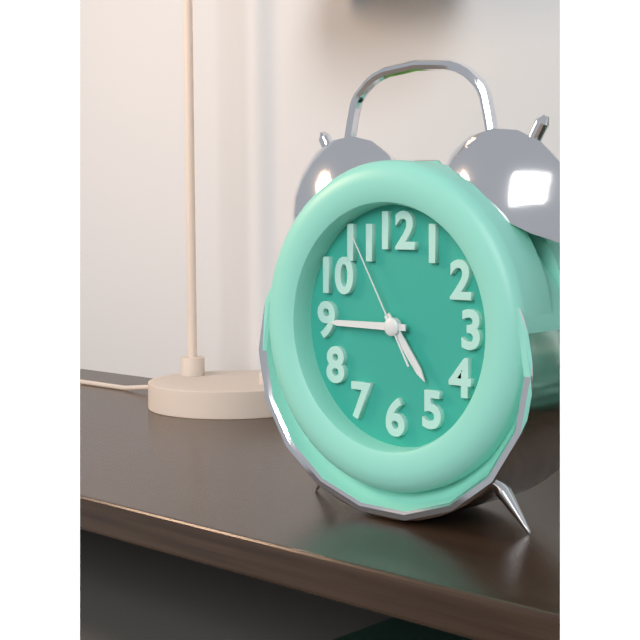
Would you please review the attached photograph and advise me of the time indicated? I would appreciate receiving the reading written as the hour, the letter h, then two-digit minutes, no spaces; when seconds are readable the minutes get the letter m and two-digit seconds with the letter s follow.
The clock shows 4h45m55s
